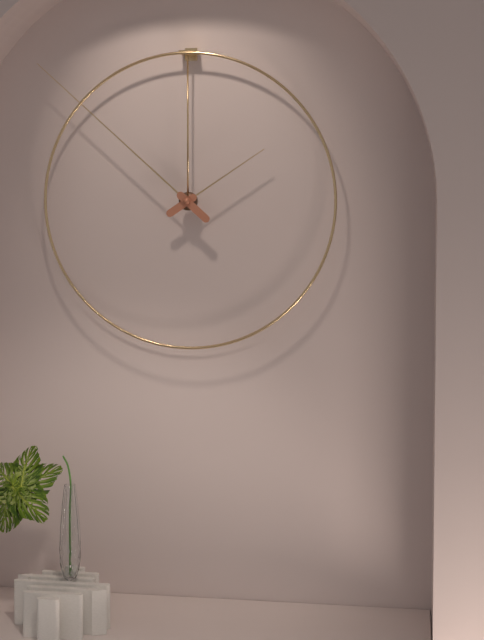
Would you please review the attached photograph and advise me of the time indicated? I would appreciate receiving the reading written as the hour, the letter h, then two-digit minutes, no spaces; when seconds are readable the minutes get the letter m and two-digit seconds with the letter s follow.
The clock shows 1h52
